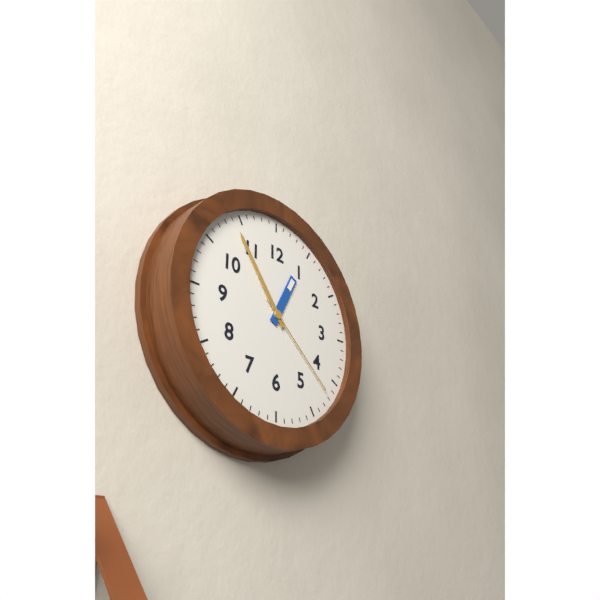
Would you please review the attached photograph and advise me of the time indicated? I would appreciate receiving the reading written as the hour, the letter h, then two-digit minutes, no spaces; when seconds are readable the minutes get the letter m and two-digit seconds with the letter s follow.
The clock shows 12h54m22s
